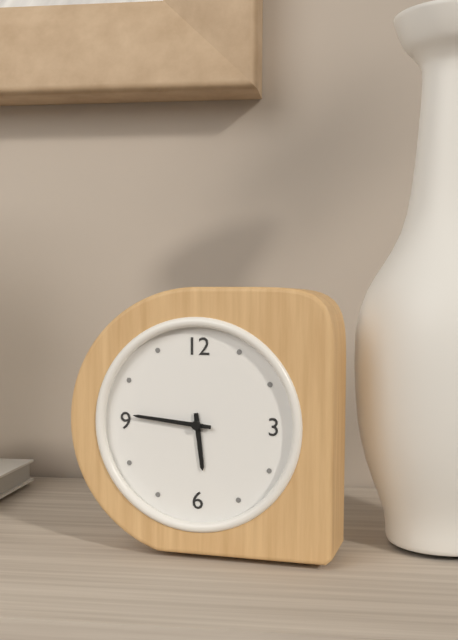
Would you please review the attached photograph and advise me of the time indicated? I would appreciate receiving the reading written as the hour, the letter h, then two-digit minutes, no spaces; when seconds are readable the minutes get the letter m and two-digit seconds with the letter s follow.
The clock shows 5h46
